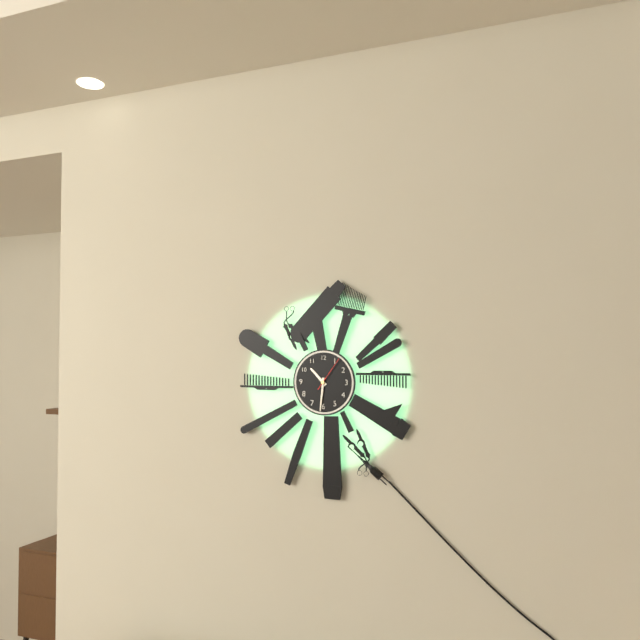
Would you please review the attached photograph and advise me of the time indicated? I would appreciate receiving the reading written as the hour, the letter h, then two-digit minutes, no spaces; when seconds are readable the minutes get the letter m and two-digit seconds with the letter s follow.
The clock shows 10h31
